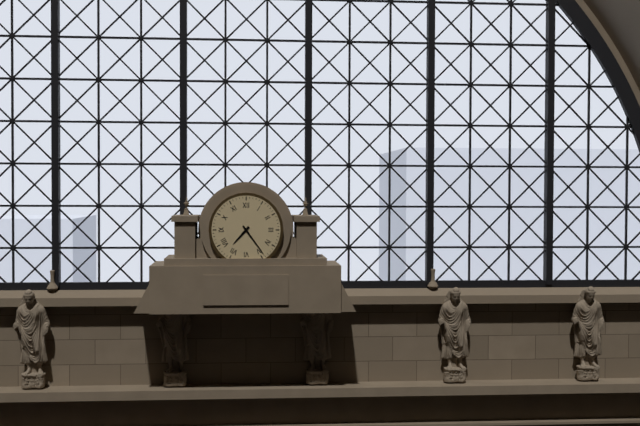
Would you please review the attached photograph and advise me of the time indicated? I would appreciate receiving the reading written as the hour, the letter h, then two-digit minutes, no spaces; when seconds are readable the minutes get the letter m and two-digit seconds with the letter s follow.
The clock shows 7h24
